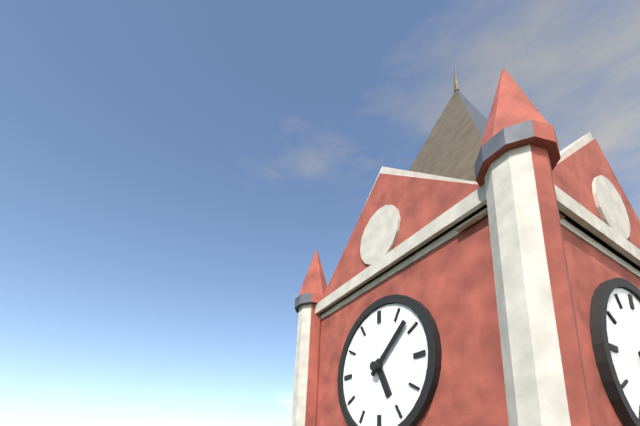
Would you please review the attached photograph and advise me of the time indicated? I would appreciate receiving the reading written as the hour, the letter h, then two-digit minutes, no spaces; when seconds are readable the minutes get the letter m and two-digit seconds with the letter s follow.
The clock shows 5h08
